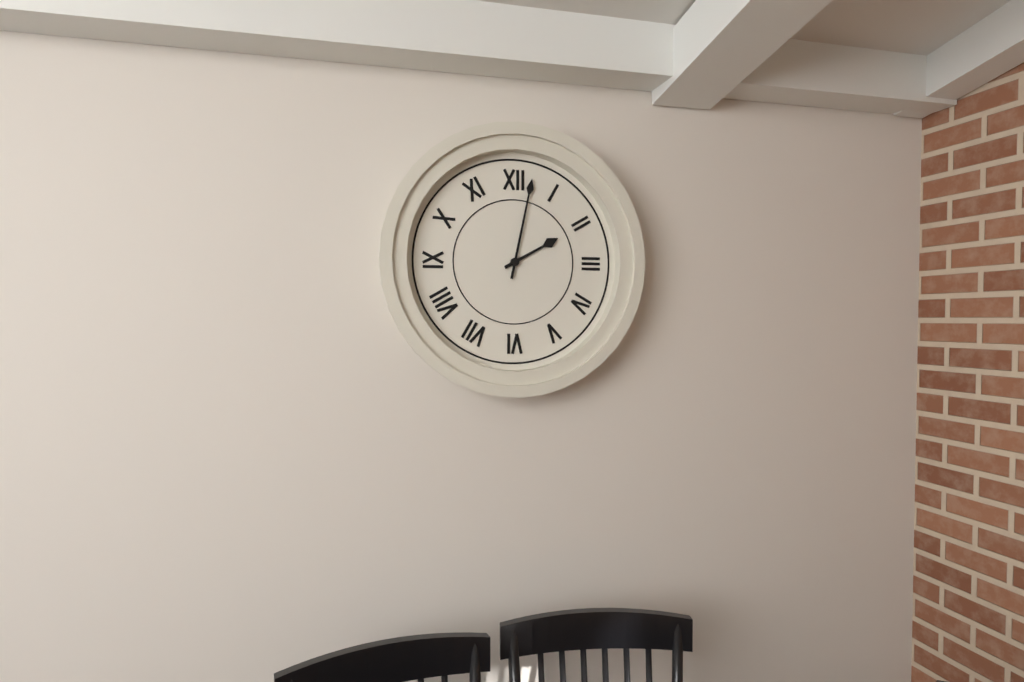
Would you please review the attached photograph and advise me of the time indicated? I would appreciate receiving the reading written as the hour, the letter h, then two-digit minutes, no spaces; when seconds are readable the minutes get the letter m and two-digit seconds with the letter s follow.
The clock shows 2h02
